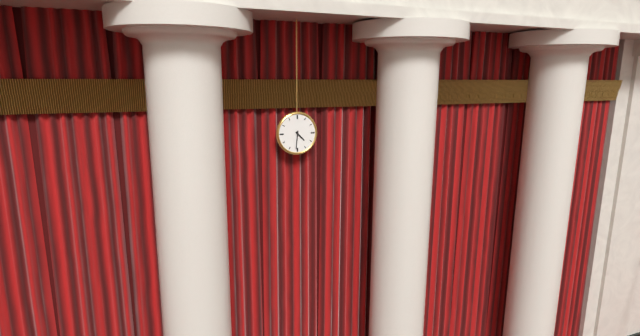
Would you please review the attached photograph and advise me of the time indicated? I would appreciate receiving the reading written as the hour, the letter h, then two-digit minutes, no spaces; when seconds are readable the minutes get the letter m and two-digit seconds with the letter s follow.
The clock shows 4h31
